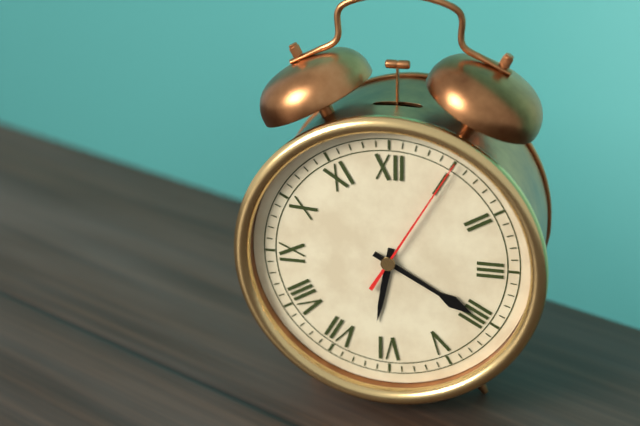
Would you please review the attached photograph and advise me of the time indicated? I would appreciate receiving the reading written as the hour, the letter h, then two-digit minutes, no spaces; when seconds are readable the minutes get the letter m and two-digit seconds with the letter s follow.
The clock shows 6h20m05s
